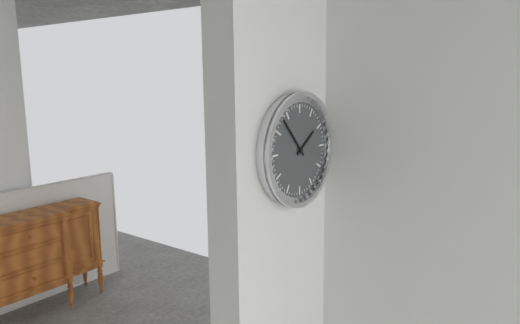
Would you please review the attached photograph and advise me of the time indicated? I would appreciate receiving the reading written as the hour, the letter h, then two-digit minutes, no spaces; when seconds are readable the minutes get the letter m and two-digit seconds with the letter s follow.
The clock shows 1h53
